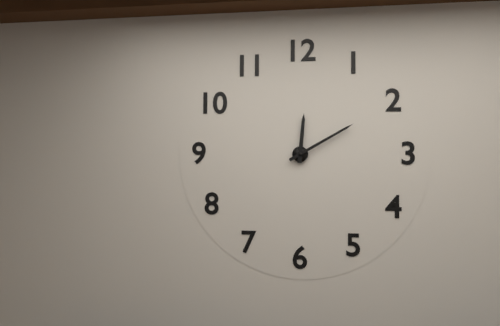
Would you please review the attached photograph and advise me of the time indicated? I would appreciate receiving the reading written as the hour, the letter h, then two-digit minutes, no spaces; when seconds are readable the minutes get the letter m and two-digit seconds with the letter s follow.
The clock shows 12h10
